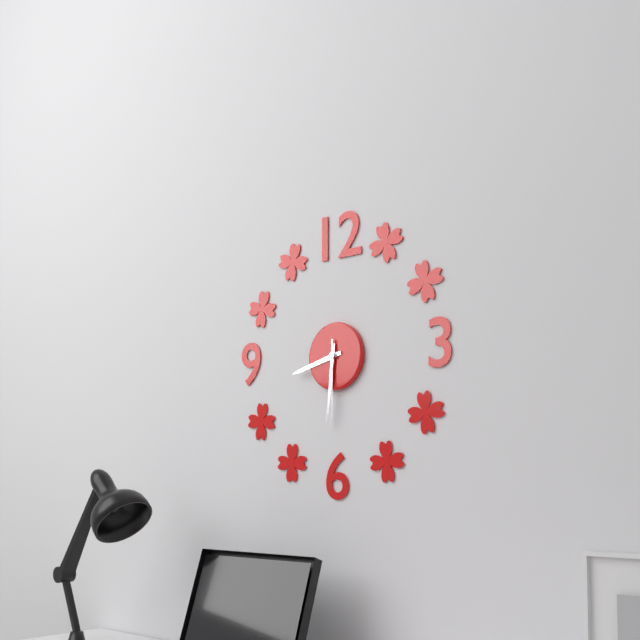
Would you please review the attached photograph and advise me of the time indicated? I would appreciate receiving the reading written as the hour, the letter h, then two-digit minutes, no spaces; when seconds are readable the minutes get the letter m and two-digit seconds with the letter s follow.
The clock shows 8h31m30s
